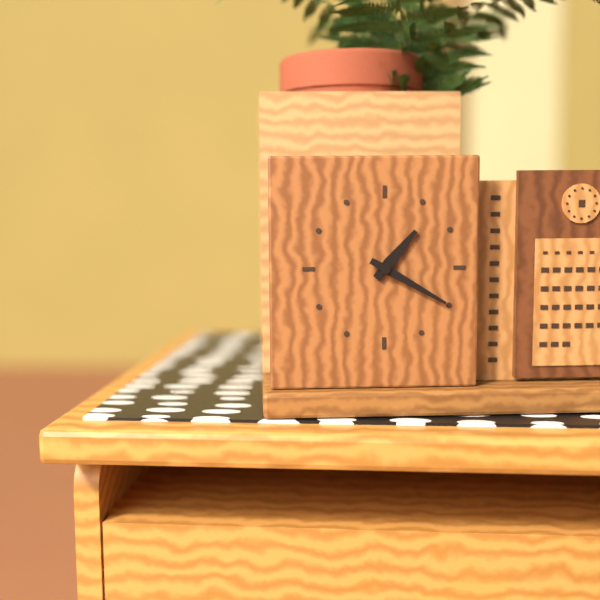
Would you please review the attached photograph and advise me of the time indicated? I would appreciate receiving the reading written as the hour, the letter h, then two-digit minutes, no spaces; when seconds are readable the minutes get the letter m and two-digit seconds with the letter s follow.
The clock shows 1h20
